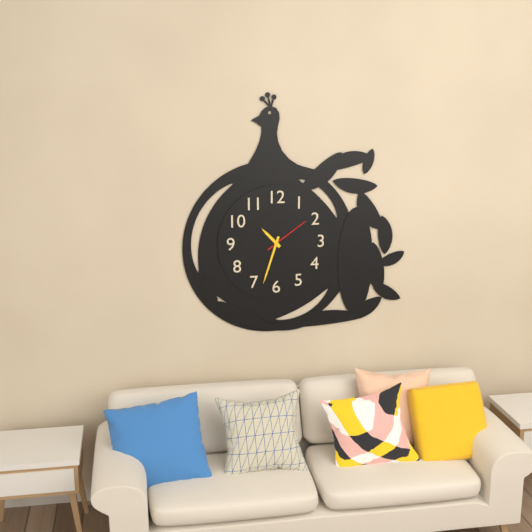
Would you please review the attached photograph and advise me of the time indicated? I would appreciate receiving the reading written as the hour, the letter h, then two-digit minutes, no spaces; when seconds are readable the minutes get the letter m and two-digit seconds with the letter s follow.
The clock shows 10h33
